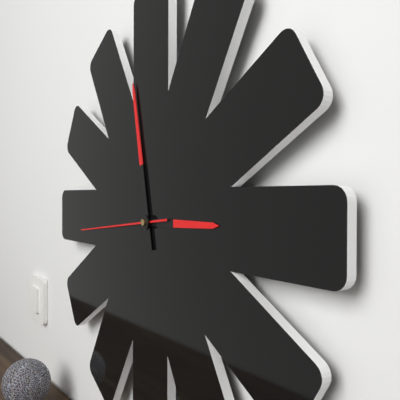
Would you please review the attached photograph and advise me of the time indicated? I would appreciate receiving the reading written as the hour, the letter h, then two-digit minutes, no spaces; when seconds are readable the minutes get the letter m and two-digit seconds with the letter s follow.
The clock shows 2h58m44s
